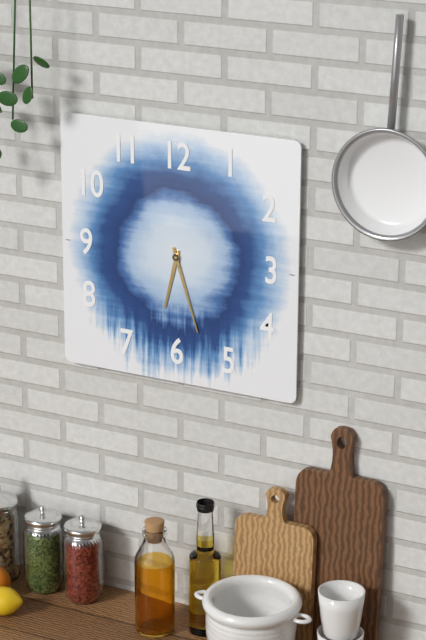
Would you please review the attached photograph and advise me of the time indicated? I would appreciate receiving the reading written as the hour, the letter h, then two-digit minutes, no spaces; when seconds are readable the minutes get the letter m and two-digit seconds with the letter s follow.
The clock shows 6h27
